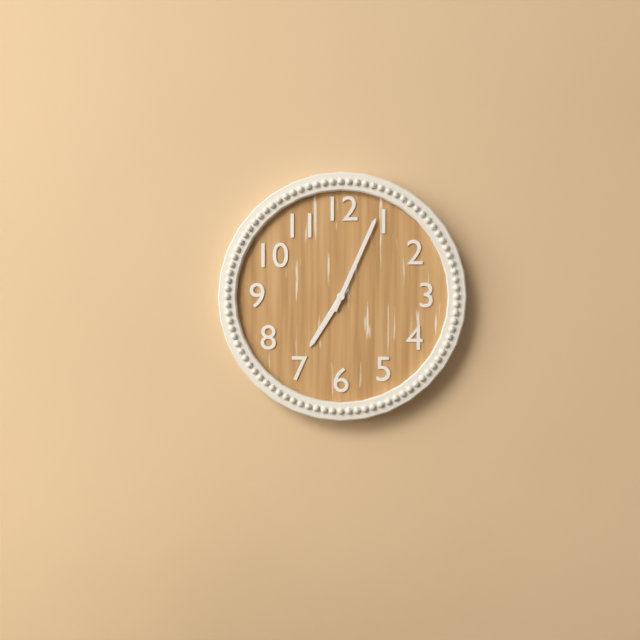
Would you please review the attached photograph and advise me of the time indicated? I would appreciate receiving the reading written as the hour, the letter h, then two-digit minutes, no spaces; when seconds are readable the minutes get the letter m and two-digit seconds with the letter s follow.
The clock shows 7h04
